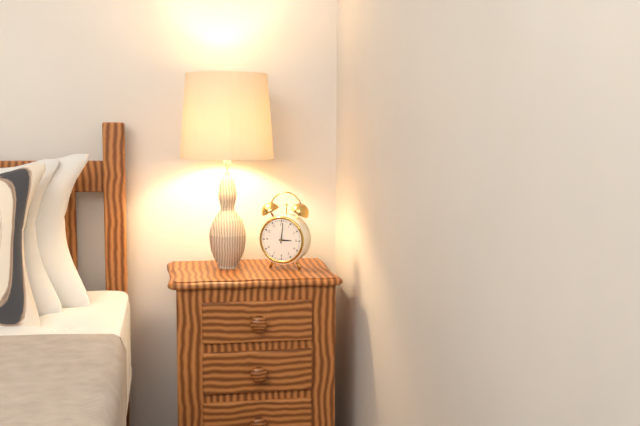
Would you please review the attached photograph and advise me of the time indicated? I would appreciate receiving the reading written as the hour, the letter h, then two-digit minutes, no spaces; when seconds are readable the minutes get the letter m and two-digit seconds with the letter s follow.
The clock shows 3h01
